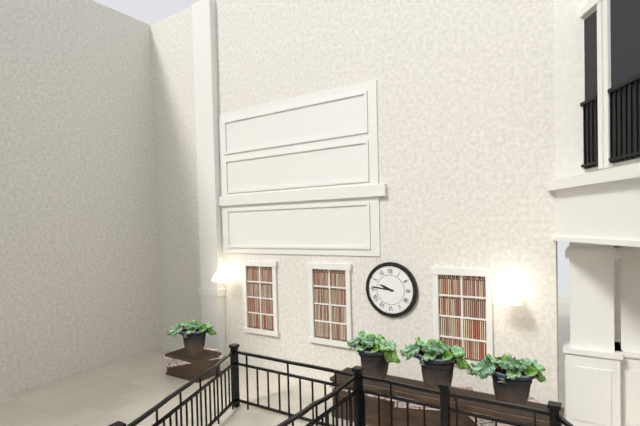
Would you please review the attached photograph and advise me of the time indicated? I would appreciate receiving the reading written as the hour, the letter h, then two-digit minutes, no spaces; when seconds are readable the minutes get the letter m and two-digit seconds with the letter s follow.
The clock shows 9h46
